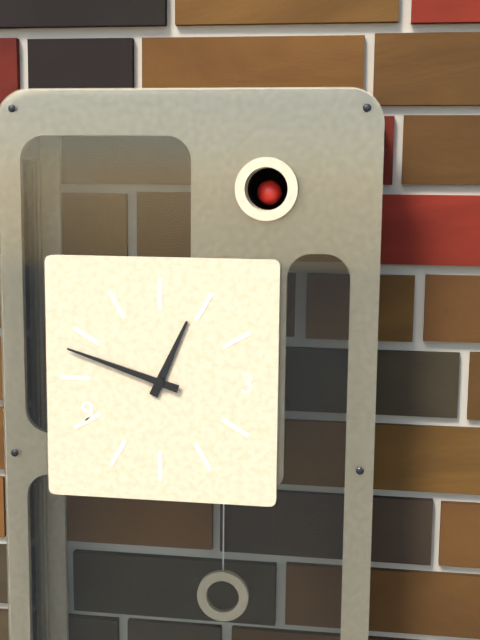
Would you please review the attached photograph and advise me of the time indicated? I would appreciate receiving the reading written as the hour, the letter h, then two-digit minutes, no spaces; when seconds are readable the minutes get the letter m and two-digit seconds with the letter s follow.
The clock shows 12h48
